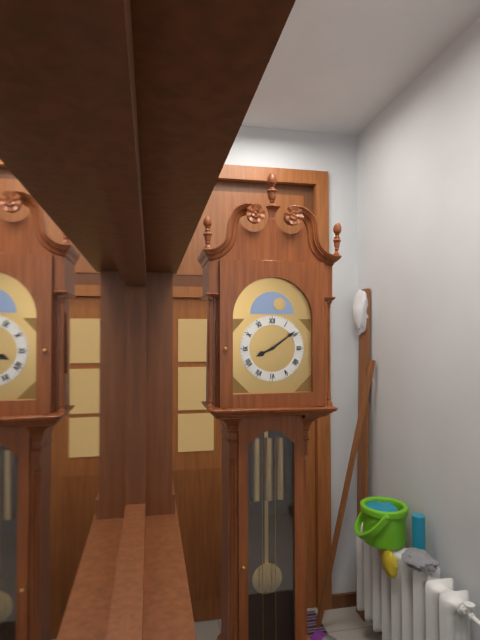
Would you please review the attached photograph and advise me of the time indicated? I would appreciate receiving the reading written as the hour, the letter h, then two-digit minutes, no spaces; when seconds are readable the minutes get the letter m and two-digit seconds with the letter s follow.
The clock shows 8h09
